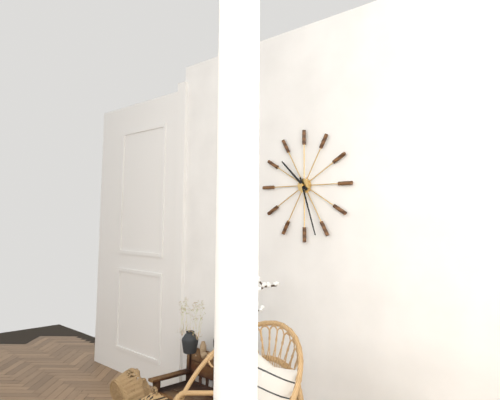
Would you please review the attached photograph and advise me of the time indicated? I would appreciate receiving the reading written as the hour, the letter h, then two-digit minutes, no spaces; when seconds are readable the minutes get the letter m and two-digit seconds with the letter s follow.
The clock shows 10h27
